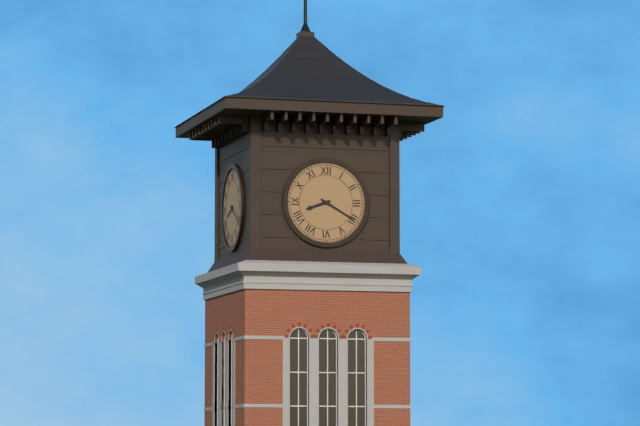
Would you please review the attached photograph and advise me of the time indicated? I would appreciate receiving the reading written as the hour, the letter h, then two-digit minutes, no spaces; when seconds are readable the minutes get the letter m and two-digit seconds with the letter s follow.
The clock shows 8h20
